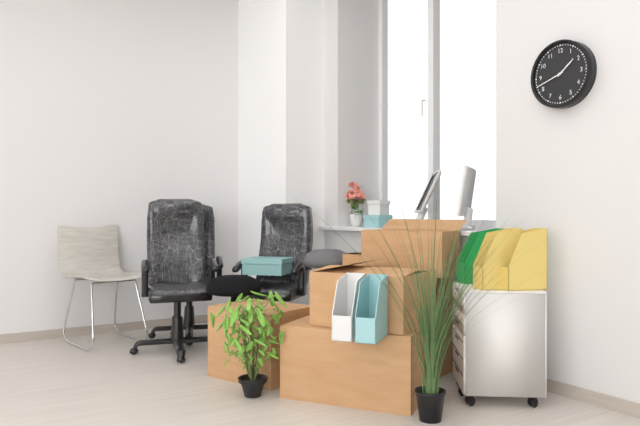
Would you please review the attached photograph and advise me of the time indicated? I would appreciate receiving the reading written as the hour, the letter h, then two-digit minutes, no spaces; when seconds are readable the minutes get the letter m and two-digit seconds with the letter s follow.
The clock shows 1h42
